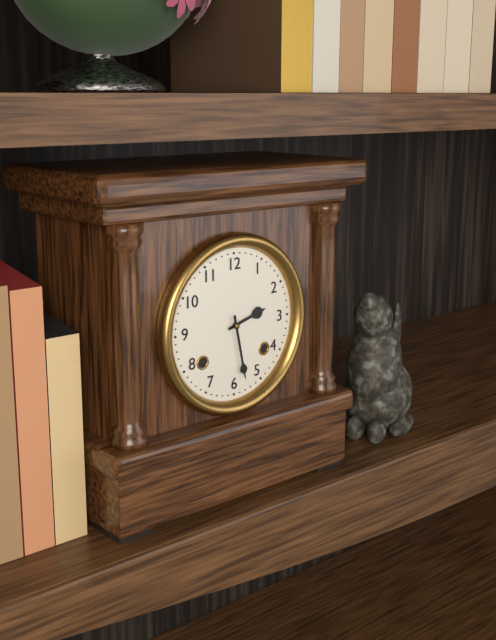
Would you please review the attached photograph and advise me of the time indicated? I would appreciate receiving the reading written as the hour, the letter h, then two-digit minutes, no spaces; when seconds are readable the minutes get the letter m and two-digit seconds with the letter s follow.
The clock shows 2h28
